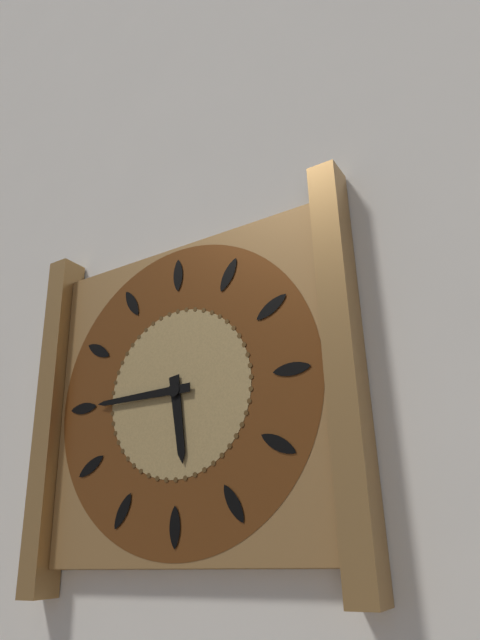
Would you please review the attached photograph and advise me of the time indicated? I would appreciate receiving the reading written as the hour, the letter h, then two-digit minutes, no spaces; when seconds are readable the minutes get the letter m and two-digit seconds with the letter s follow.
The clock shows 5h45
